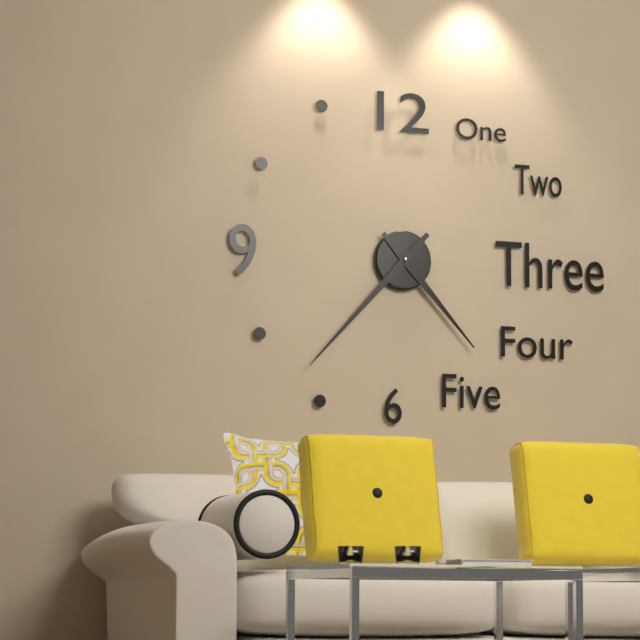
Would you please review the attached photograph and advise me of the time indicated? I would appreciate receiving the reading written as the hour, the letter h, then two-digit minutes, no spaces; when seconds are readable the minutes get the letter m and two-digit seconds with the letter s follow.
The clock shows 4h37
